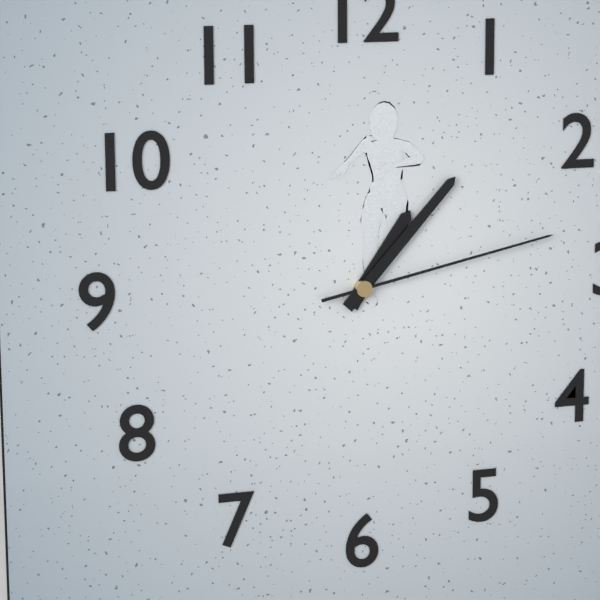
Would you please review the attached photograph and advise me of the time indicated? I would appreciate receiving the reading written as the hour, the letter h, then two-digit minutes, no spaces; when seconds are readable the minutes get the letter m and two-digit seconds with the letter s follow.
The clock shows 1h07m13s
